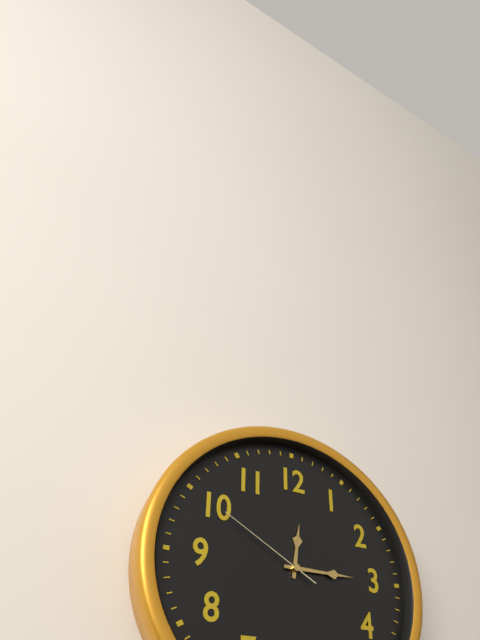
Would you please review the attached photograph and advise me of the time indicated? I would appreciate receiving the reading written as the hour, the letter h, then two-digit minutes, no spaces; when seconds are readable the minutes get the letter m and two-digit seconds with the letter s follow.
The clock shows 12h15m50s
